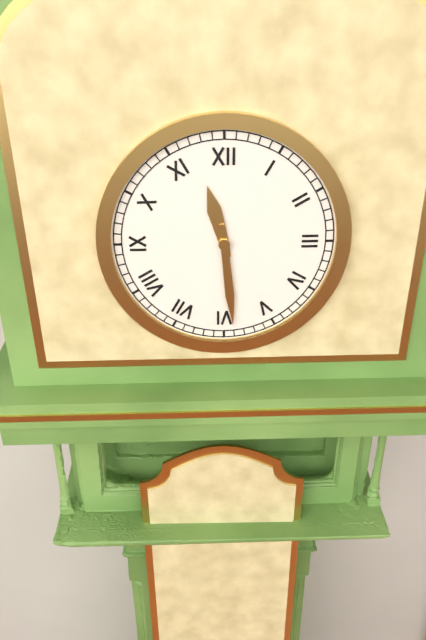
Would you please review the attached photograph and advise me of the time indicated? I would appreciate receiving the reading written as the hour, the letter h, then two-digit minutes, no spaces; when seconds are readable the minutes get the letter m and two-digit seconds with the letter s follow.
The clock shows 11h29
